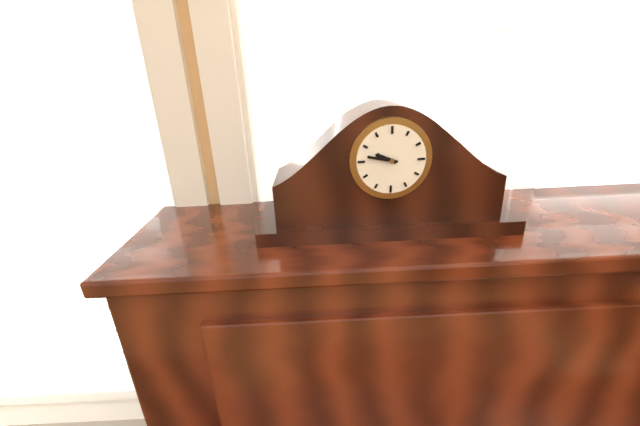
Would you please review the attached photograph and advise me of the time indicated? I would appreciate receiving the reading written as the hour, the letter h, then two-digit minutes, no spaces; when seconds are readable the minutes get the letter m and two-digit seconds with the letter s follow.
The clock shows 9h47
